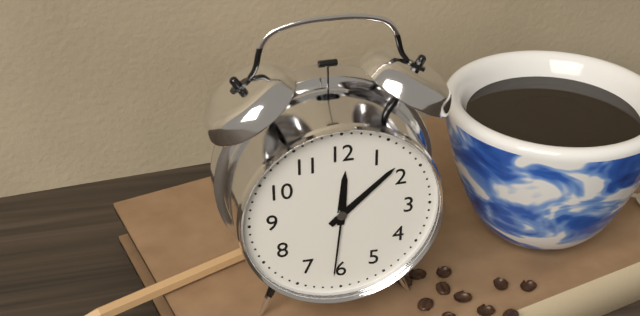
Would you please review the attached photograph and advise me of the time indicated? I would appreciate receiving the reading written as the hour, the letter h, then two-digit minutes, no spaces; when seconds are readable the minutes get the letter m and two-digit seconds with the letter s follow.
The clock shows 12h08m31s
